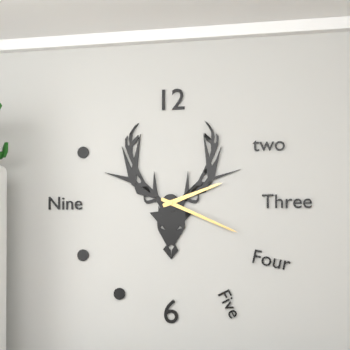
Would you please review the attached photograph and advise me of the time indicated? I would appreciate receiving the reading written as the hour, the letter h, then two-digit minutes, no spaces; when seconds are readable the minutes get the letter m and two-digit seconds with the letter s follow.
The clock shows 2h19
